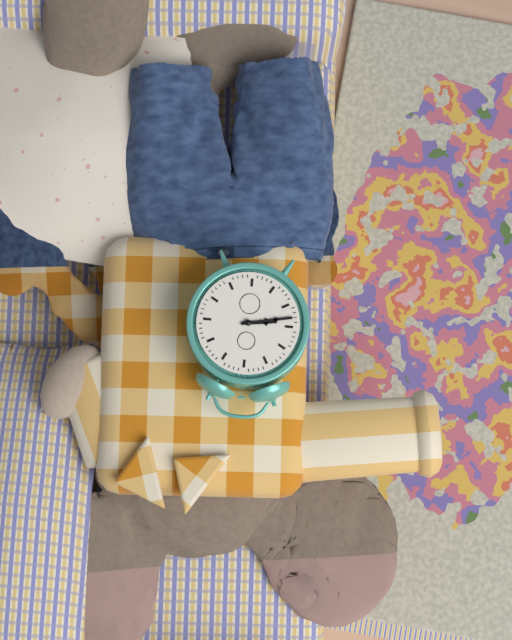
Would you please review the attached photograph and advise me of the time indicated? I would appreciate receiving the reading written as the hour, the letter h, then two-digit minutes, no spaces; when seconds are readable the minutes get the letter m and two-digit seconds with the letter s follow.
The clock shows 8h43
